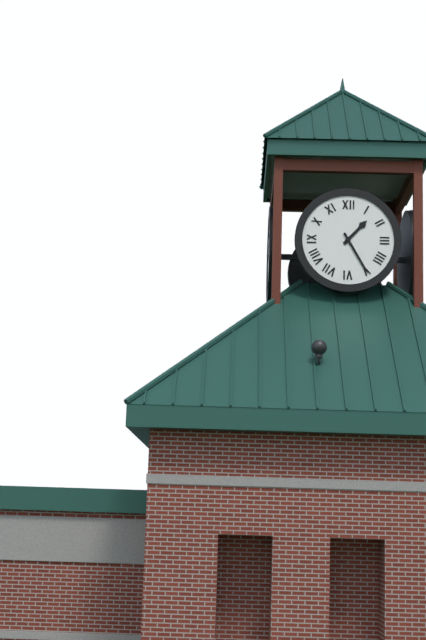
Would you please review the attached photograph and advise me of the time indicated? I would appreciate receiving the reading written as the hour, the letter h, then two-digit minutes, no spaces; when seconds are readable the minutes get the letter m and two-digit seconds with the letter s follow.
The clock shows 1h25
